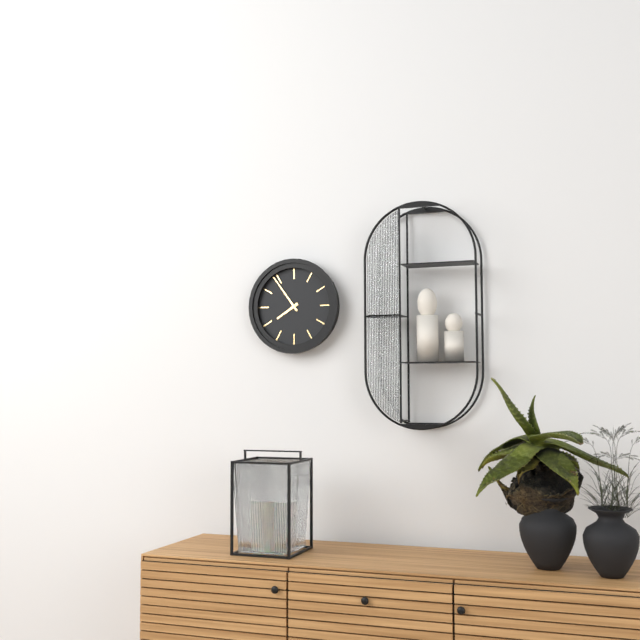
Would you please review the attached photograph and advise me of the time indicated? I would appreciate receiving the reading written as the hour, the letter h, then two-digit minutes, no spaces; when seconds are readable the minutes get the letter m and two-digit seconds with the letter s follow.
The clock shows 7h54
